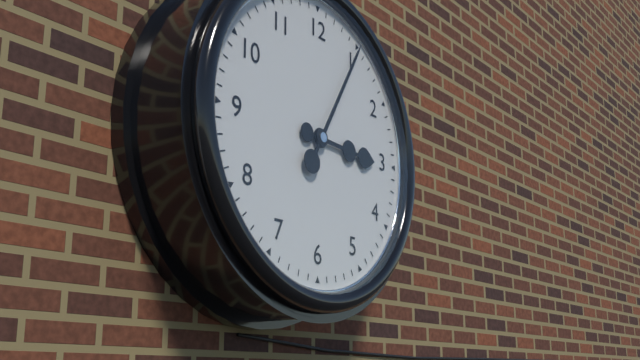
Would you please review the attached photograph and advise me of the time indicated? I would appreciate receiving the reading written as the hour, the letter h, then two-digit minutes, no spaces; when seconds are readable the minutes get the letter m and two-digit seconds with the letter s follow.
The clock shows 3h05
